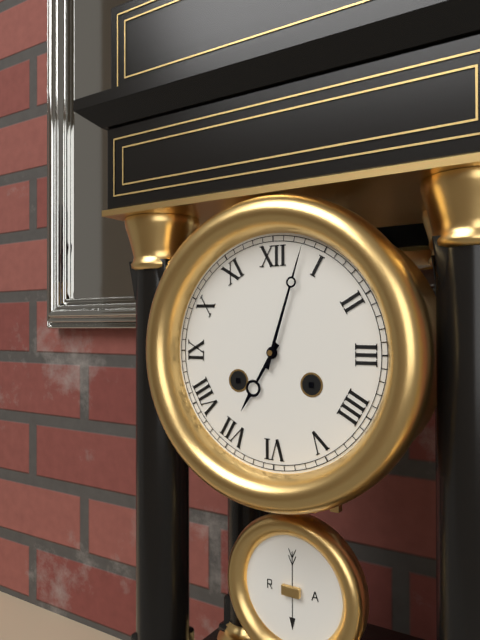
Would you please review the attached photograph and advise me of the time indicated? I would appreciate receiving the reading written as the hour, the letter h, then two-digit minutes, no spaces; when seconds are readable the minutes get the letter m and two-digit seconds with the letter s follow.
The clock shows 7h03
